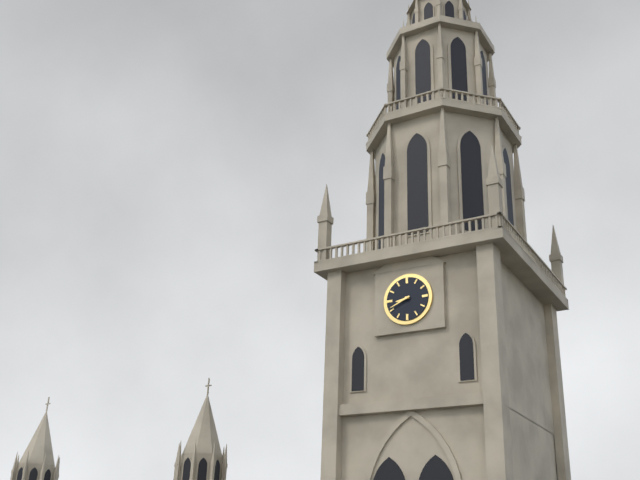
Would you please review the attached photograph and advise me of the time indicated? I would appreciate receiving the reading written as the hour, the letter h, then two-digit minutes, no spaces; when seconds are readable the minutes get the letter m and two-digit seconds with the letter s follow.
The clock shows 8h41
